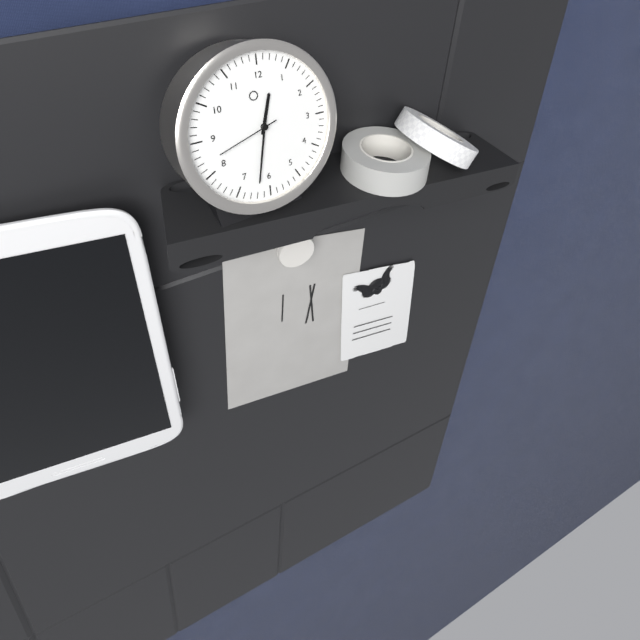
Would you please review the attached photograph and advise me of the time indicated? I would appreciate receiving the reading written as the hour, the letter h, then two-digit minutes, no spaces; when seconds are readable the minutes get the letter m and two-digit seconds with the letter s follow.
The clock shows 12h32m42s
